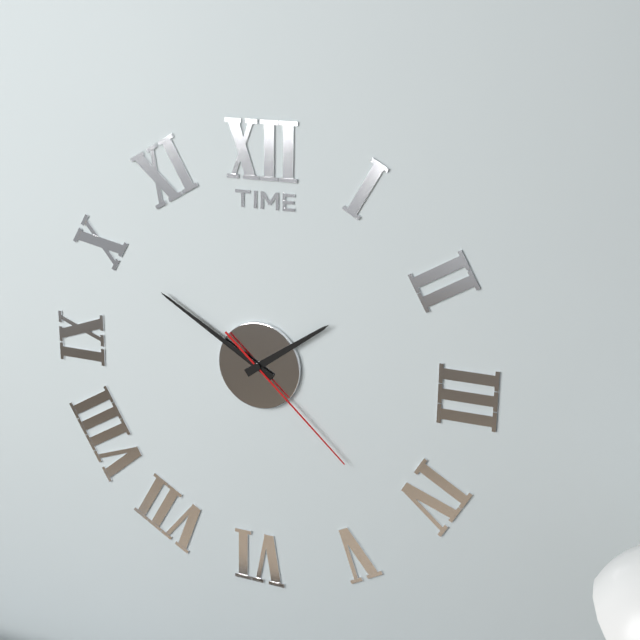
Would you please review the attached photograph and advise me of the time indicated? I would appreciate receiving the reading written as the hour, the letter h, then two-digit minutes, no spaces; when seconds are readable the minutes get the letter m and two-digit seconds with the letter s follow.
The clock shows 1h50m22s
